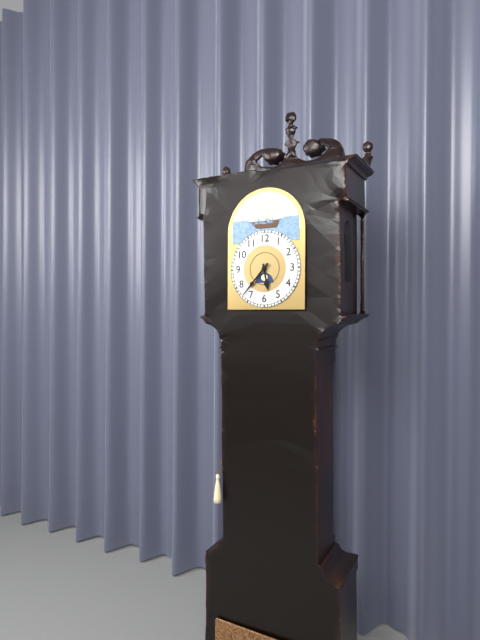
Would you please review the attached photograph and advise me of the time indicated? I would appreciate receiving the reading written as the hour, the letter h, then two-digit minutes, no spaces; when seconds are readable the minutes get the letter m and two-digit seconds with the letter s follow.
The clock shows 5h37
